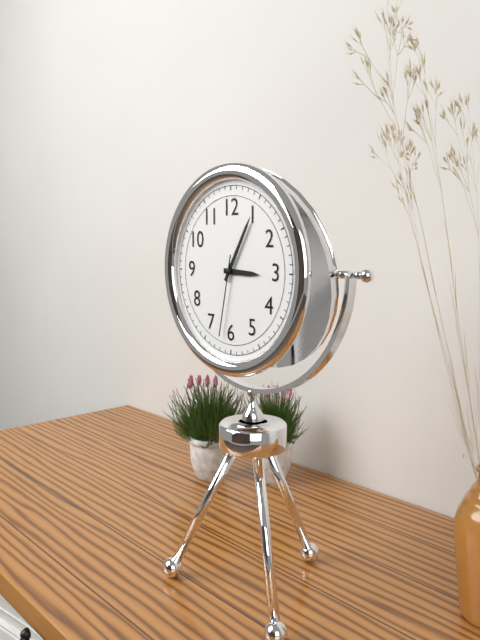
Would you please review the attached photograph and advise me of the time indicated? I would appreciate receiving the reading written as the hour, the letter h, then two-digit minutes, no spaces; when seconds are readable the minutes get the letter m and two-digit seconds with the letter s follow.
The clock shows 3h05m32s
